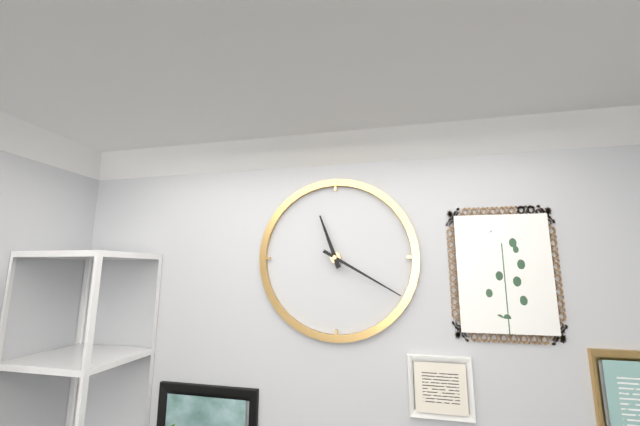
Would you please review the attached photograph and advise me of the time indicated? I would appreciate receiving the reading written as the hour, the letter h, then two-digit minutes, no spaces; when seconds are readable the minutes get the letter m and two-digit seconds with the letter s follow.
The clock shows 11h20
